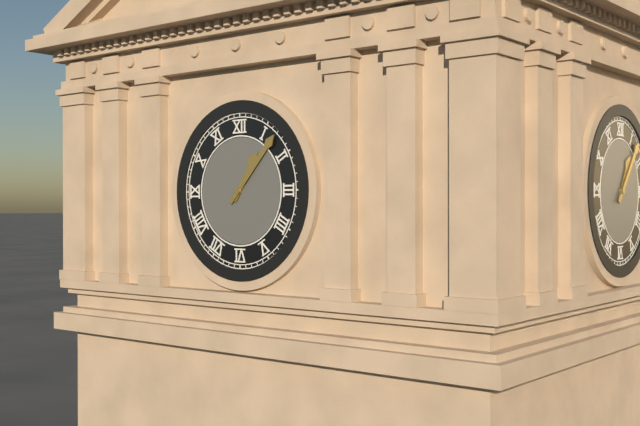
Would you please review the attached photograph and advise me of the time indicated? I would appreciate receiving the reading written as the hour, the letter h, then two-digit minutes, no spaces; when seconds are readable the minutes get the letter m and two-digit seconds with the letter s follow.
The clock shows 1h07
